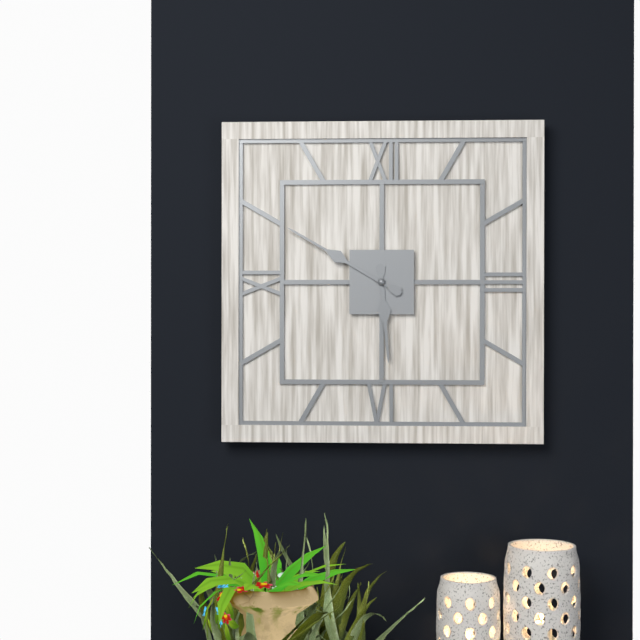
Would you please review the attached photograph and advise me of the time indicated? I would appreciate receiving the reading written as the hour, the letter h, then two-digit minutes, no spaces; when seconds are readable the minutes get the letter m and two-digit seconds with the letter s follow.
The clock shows 5h50
